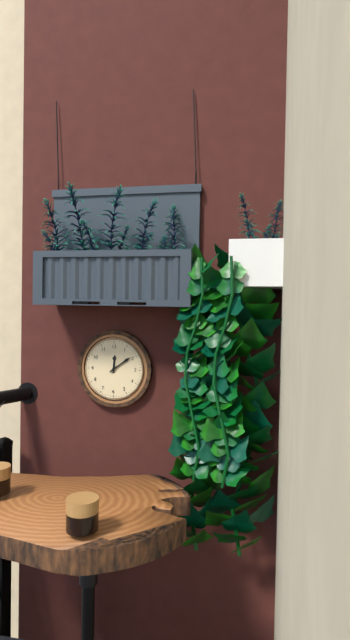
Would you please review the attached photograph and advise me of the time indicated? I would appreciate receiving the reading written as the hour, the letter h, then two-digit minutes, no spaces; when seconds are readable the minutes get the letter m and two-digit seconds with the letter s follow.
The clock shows 12h09
